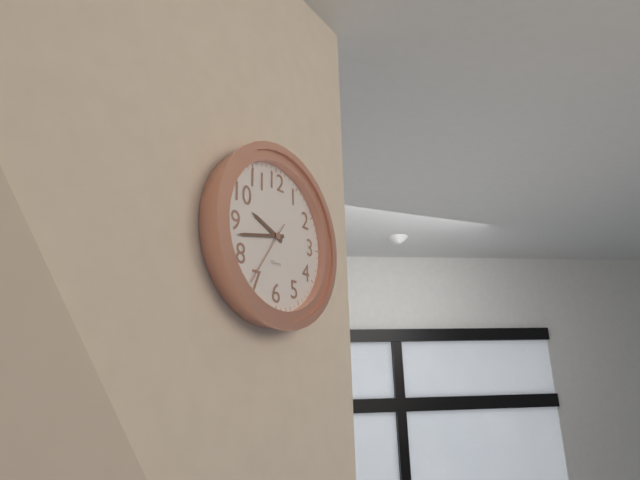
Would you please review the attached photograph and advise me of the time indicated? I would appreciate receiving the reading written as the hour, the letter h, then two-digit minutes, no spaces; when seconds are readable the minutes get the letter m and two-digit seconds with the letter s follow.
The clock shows 9h43m36s
